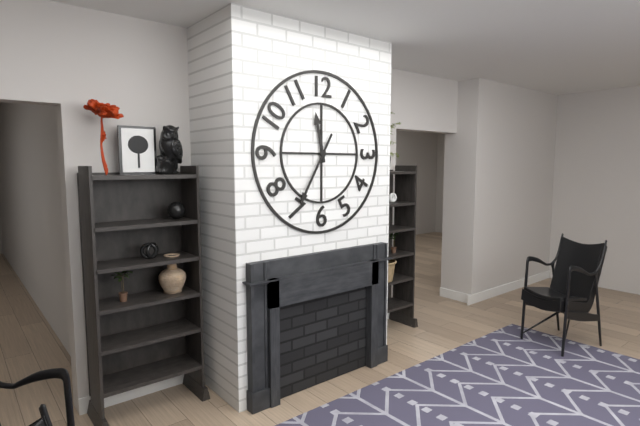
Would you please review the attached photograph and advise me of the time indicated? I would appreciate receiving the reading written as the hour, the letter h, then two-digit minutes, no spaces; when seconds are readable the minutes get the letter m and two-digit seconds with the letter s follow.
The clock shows 11h35
